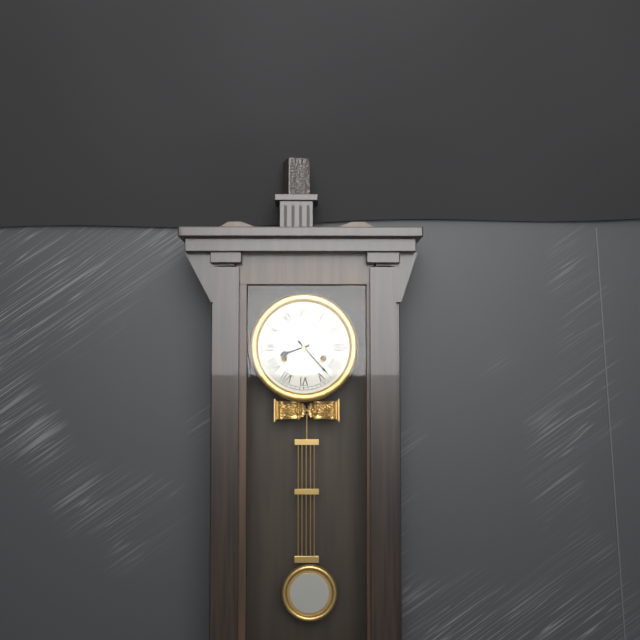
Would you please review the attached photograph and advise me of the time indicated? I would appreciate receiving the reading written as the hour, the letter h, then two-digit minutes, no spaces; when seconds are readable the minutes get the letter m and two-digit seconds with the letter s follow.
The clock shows 8h23
